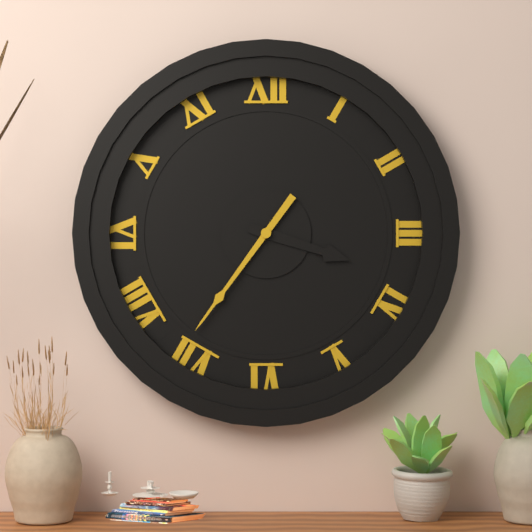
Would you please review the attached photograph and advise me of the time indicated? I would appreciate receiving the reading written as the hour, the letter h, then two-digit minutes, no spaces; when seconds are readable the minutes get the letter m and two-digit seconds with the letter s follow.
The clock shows 3h36
